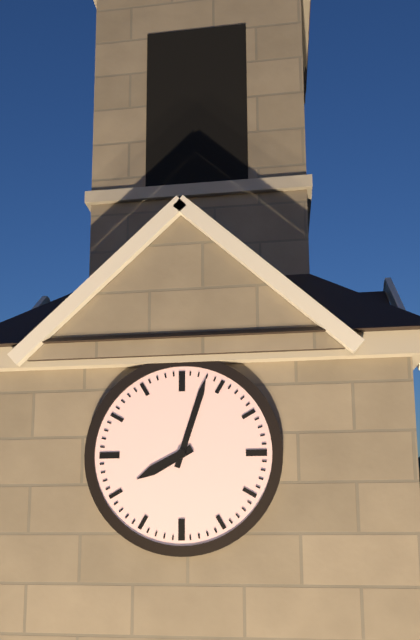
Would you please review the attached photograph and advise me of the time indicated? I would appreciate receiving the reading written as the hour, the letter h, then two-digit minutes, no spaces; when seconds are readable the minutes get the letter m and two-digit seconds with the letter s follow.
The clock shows 8h03
